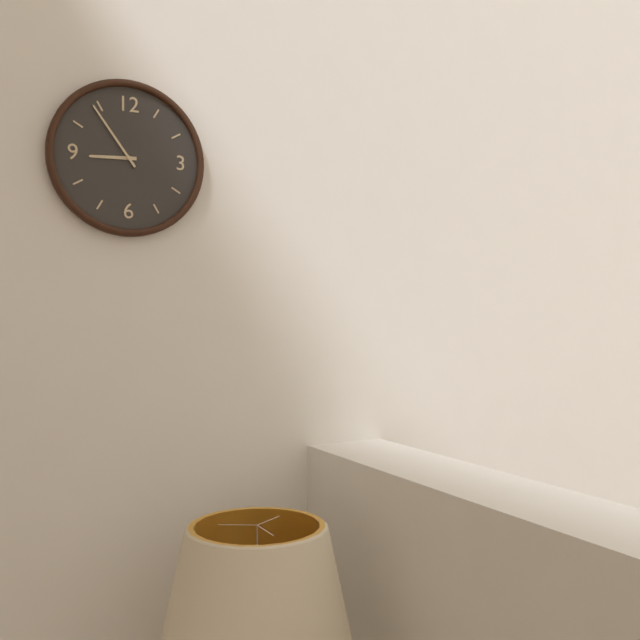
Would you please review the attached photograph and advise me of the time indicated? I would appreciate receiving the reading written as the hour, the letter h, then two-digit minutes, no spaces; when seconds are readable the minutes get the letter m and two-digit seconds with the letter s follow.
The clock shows 8h54
